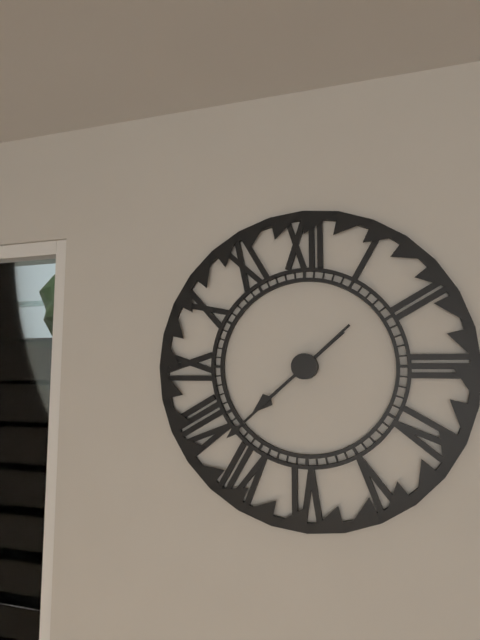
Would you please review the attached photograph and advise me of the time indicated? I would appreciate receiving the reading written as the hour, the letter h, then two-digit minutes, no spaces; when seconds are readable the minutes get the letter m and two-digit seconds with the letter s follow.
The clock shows 7h38
